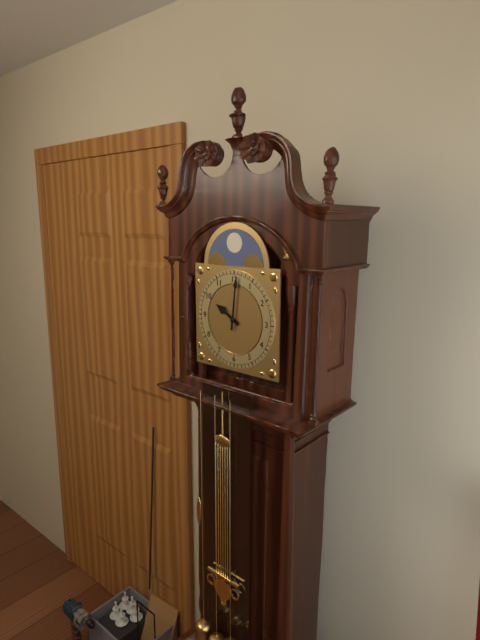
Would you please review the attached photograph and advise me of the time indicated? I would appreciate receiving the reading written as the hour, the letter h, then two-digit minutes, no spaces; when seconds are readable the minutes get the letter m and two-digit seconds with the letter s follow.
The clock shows 10h01
